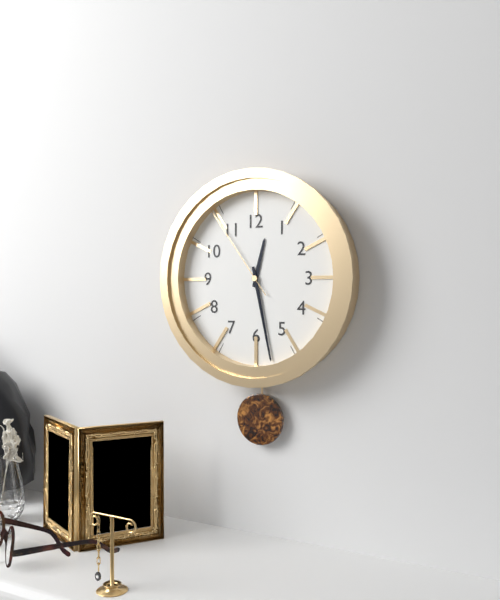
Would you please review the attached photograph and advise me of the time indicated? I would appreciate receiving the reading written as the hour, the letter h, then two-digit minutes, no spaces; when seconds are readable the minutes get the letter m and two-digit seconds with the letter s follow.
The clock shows 12h28m54s
